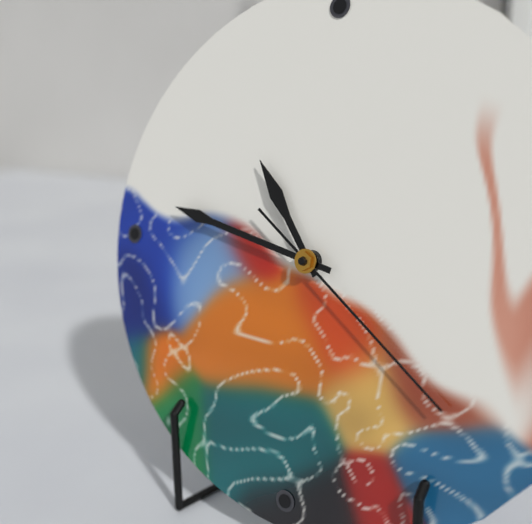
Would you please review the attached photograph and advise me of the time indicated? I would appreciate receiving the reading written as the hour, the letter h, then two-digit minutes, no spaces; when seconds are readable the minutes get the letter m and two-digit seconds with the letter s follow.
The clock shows 10h47m21s
